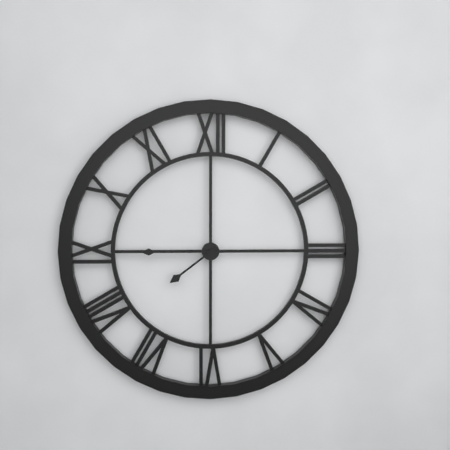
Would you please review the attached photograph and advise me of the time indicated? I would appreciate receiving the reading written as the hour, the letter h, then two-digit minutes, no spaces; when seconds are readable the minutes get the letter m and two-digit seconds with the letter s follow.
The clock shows 7h45
